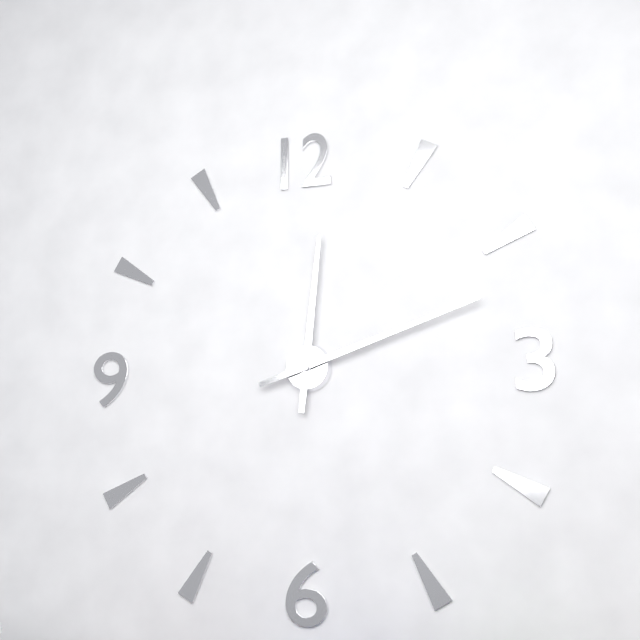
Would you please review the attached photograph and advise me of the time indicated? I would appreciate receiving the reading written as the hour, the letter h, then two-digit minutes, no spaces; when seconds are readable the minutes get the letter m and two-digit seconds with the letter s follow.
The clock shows 12h12
